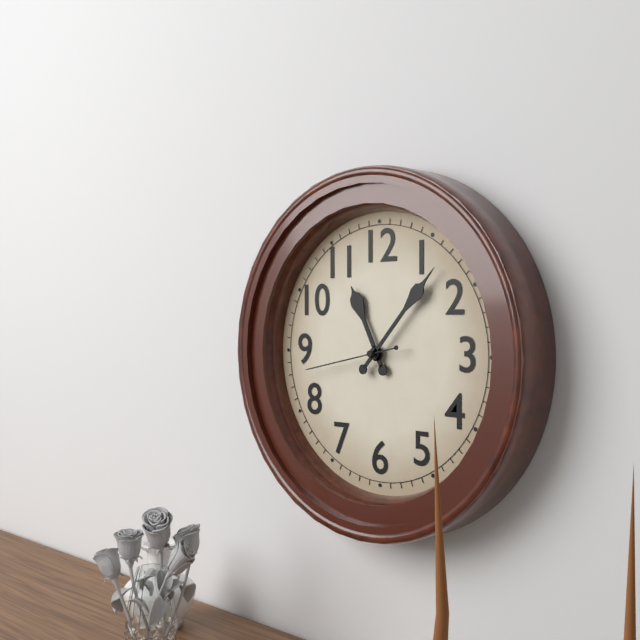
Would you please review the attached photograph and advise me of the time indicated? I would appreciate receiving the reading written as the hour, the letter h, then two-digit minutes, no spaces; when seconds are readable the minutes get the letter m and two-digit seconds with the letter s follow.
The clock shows 11h07m43s
